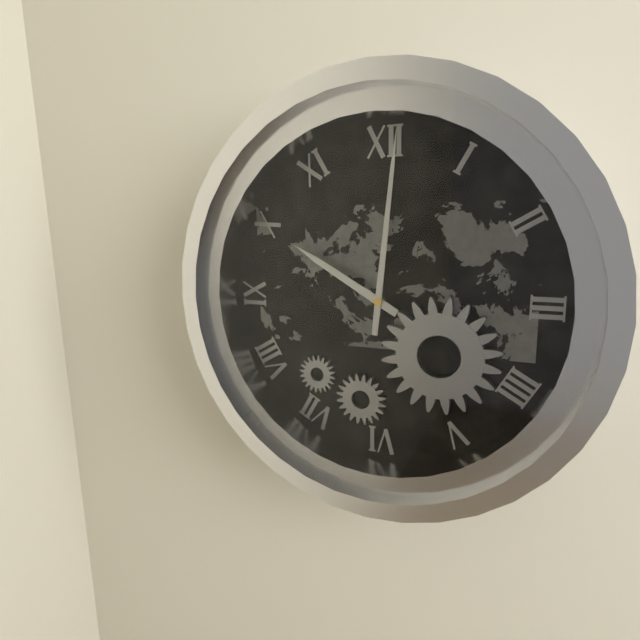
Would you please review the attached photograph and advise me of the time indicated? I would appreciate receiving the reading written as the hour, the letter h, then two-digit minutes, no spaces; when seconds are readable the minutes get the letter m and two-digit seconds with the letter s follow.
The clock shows 10h01
